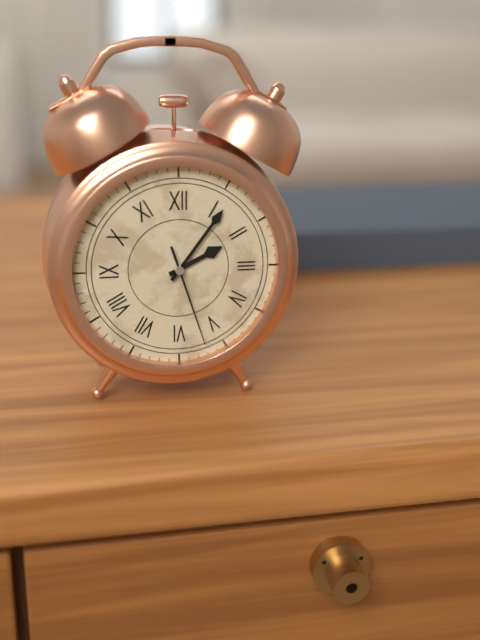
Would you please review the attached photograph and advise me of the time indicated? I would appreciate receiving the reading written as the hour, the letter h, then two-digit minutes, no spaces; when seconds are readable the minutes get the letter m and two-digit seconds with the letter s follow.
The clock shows 2h06m27s
